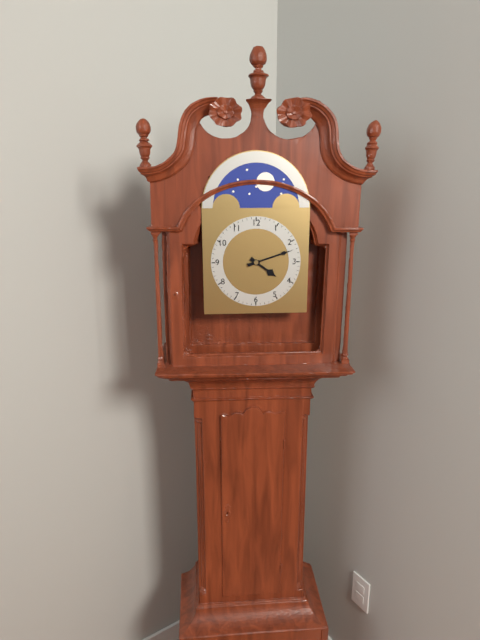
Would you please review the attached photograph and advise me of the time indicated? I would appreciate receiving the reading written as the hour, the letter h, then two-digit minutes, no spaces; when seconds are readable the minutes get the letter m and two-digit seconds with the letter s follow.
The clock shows 4h12
